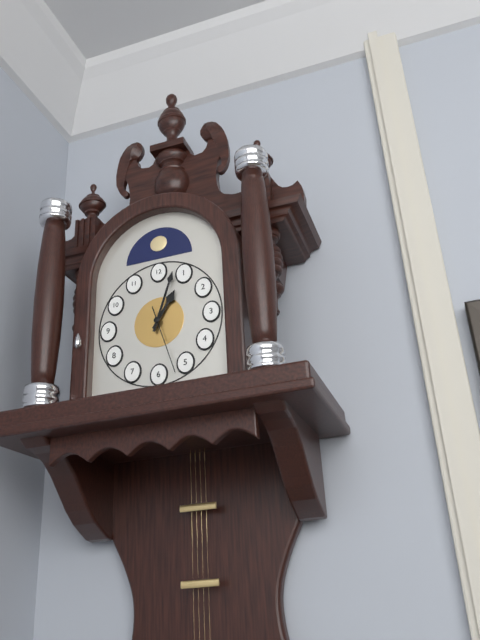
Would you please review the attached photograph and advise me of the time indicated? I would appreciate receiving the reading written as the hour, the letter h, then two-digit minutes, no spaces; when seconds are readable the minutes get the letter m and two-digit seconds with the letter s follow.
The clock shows 1h03m27s
